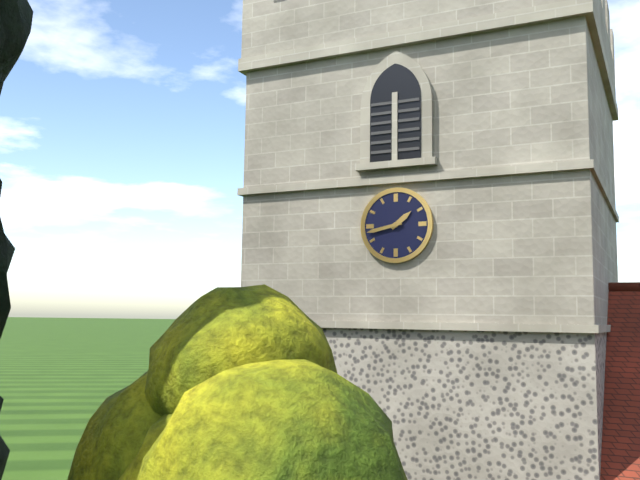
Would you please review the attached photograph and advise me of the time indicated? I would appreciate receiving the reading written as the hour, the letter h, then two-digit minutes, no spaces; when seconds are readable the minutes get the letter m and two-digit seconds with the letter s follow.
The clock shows 1h43
